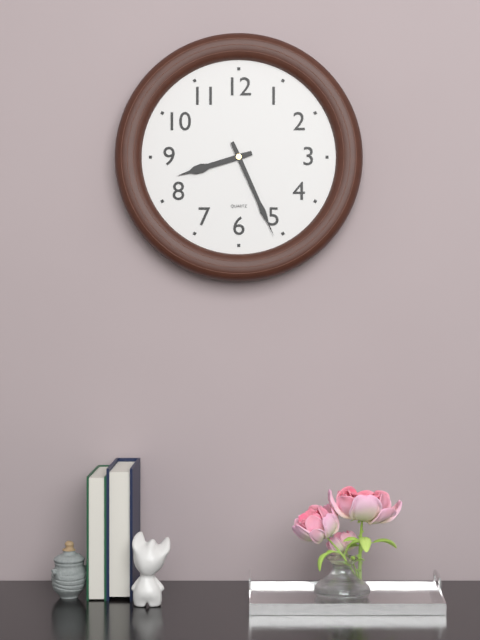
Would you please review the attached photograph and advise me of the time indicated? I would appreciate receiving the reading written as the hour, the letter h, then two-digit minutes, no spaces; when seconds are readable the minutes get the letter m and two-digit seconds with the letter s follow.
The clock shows 8h26
